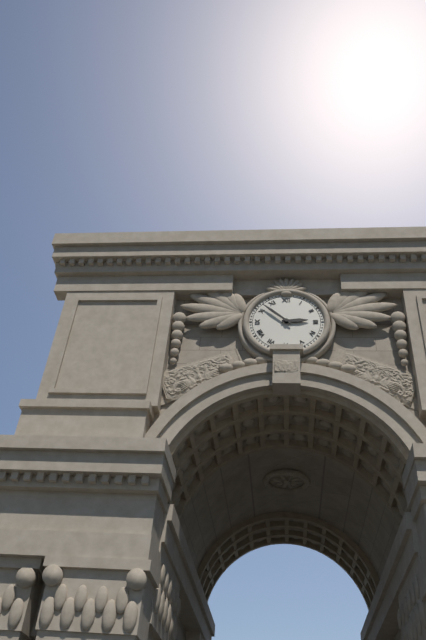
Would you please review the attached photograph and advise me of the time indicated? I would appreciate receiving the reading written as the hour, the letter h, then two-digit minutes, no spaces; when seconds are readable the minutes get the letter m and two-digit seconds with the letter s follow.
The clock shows 2h52
